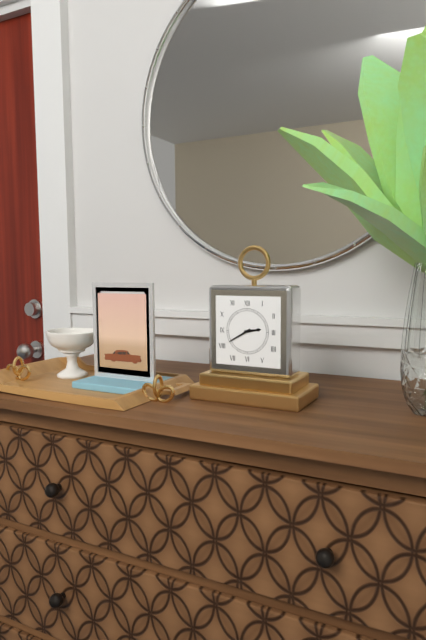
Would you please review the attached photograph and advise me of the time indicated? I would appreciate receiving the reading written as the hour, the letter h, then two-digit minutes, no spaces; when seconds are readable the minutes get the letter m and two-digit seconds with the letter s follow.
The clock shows 2h40
